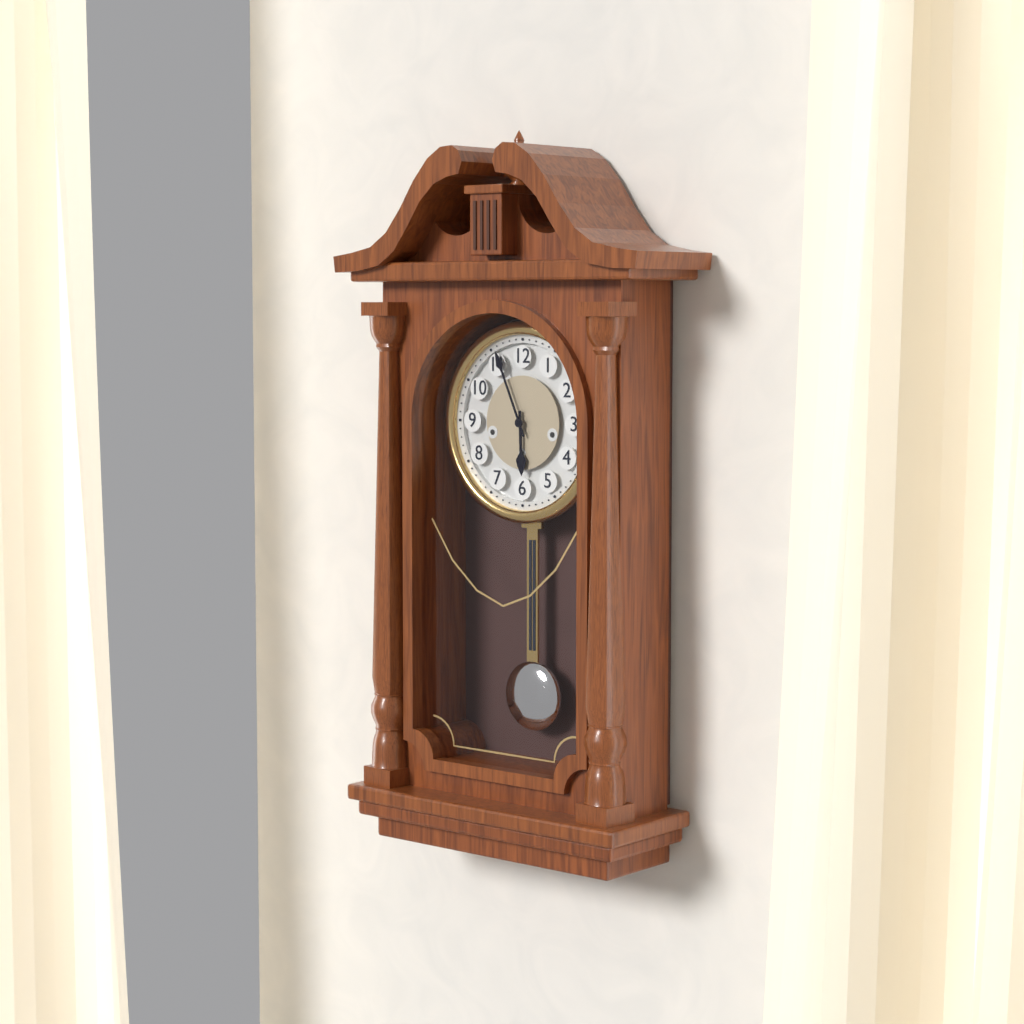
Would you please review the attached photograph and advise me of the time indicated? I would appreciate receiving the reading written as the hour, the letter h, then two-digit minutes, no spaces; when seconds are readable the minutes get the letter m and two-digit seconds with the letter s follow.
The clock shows 5h56
